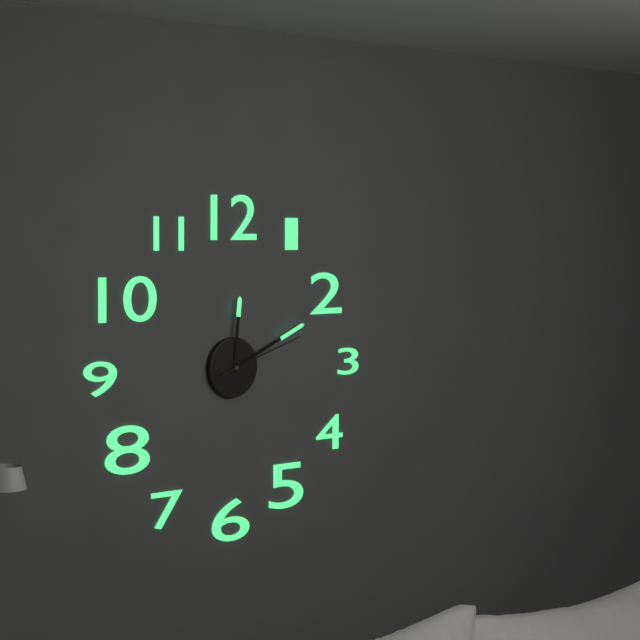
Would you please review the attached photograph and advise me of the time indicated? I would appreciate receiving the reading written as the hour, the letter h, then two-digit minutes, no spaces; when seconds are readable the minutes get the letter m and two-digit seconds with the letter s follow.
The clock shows 12h11m12s
